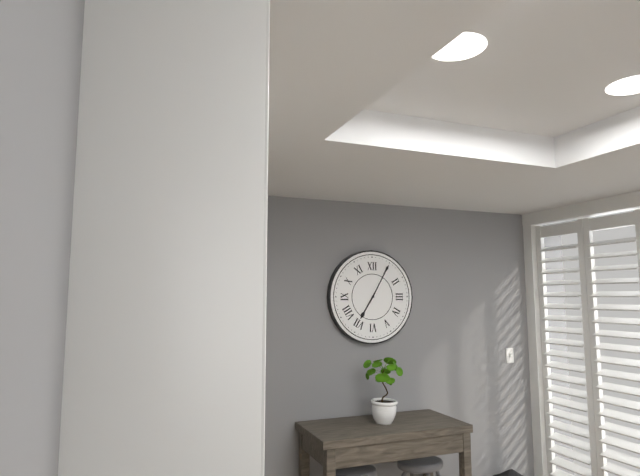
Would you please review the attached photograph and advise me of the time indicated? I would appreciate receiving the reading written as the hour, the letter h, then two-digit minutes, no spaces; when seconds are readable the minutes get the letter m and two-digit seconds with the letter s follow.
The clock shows 7h05
